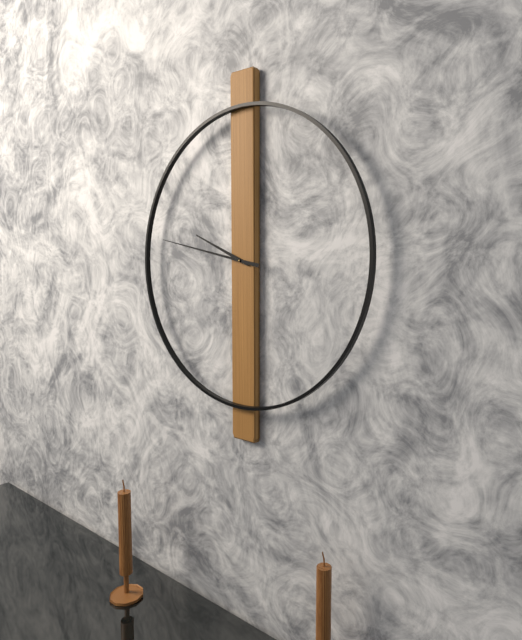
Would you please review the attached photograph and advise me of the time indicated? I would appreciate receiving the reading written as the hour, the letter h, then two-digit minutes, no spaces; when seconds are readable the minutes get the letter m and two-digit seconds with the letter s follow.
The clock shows 9h47
